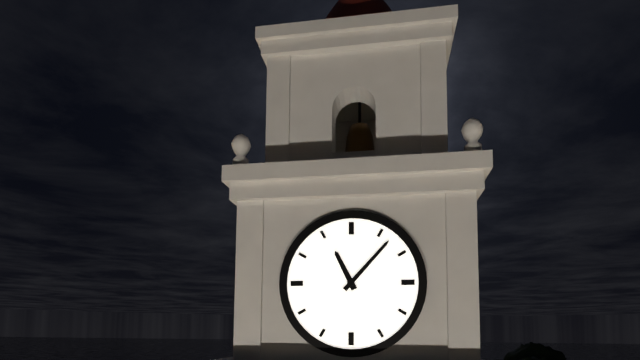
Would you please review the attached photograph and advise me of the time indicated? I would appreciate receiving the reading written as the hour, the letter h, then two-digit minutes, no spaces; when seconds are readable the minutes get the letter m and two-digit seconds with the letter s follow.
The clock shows 11h07
